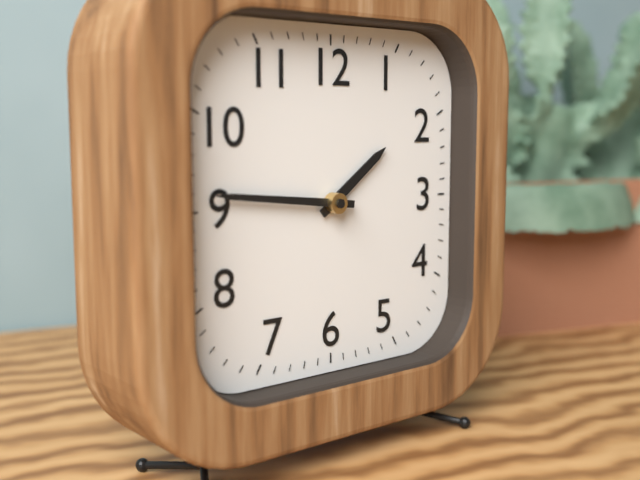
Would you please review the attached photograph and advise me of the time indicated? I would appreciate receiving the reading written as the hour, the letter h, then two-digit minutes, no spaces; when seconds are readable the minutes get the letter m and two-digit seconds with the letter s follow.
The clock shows 1h46
